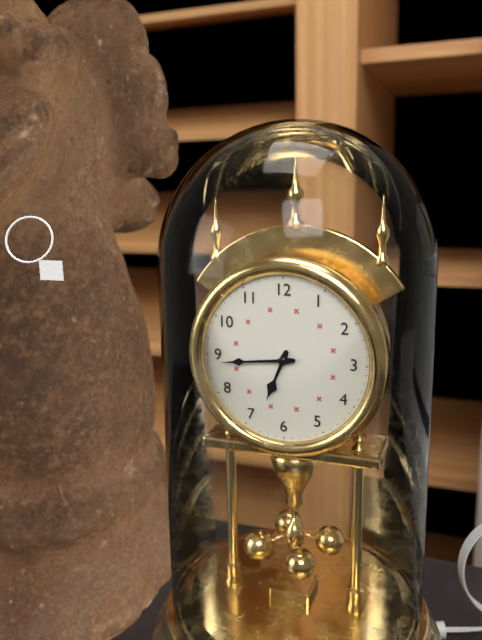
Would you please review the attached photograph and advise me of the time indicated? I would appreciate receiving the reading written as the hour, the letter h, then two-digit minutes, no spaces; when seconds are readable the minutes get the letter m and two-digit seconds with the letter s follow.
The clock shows 6h44
